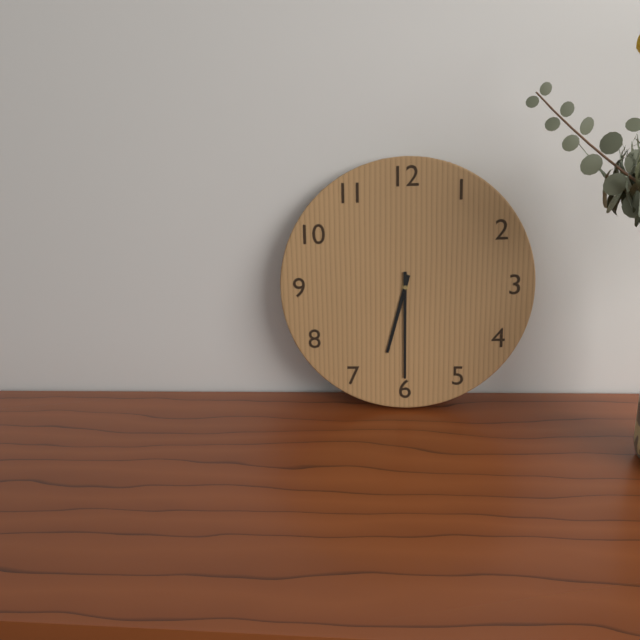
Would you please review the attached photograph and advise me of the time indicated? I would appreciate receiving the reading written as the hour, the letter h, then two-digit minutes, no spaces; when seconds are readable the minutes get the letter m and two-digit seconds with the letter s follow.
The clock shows 6h30
